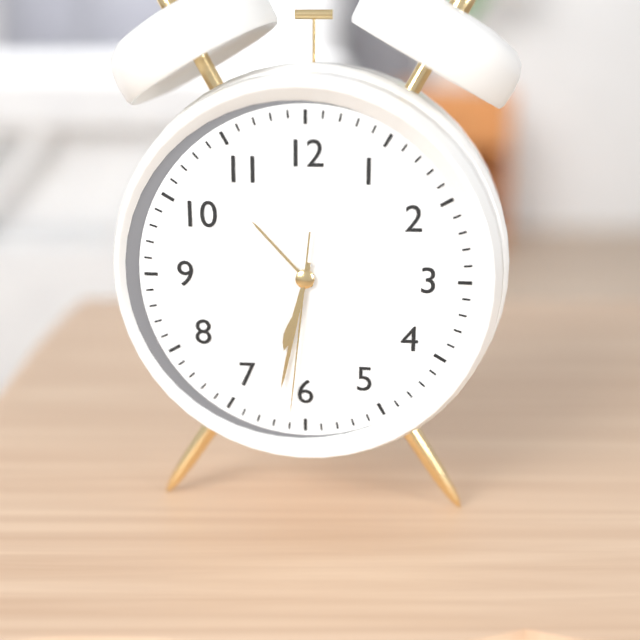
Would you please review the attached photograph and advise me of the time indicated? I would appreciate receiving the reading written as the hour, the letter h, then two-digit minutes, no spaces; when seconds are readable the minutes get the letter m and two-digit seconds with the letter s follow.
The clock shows 6h32m31s
